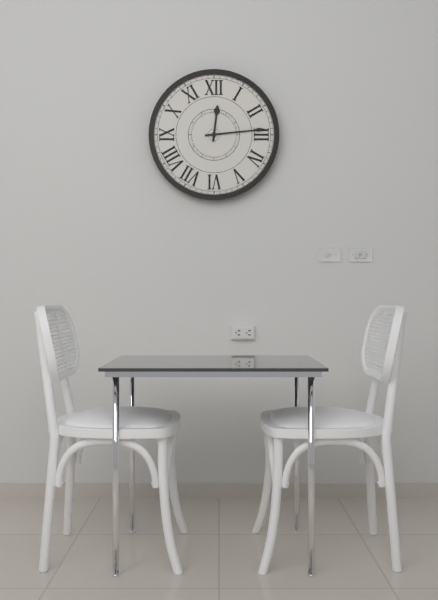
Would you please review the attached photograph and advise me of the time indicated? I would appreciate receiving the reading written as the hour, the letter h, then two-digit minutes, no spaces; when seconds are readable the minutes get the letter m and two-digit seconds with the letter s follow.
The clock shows 12h14
